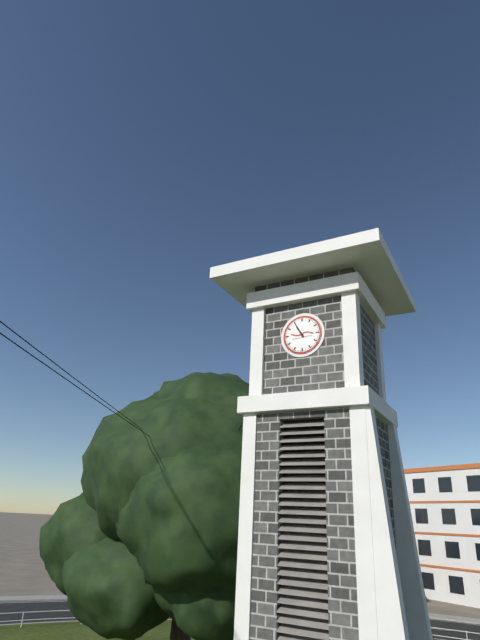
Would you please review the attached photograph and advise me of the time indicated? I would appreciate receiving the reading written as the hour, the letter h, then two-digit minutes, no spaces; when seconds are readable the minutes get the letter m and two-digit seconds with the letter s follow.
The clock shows 10h55
